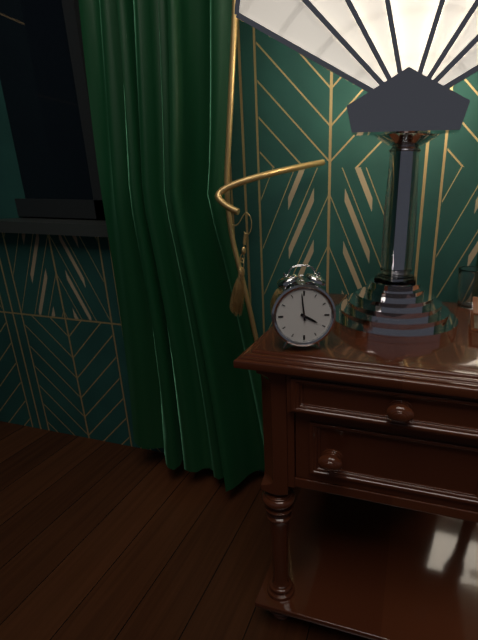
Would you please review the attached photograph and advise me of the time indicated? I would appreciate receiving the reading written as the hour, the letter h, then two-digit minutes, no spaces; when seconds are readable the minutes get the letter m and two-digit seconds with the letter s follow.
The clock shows 3h59
